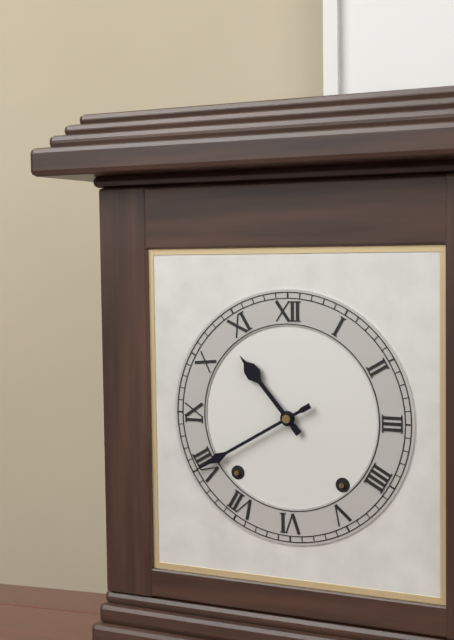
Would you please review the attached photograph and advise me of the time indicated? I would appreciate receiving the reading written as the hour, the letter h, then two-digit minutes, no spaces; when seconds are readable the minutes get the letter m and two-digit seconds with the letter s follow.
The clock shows 10h40
